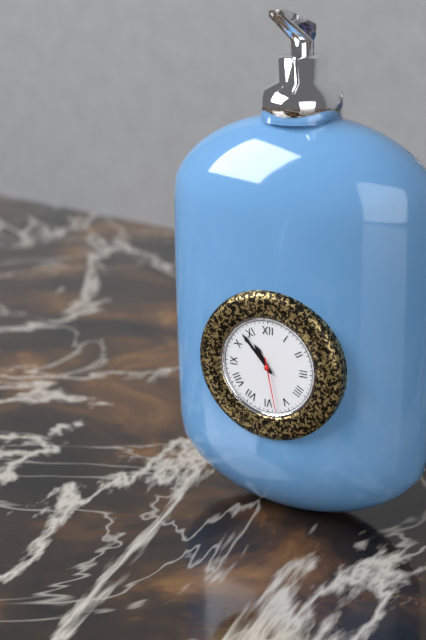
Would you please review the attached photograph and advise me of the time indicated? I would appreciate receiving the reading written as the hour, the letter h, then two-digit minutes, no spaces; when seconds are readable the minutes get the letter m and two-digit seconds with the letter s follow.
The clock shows 10h53m28s
